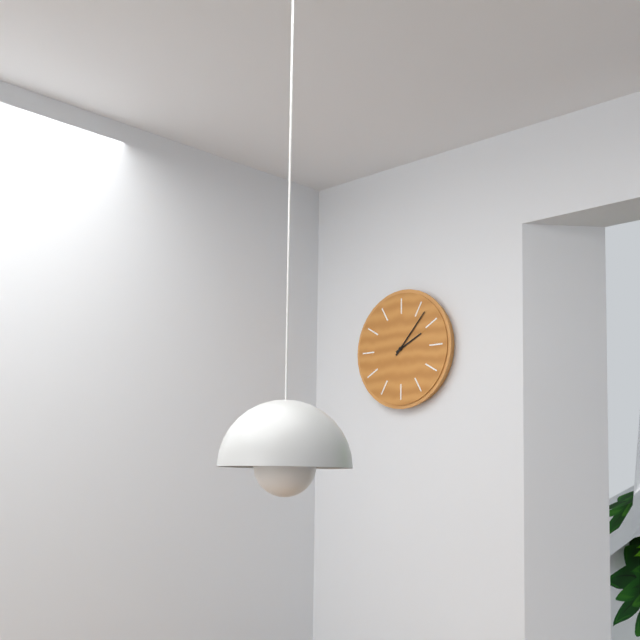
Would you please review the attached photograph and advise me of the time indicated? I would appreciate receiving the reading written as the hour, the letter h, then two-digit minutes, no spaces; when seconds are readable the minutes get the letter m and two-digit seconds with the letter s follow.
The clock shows 2h07
